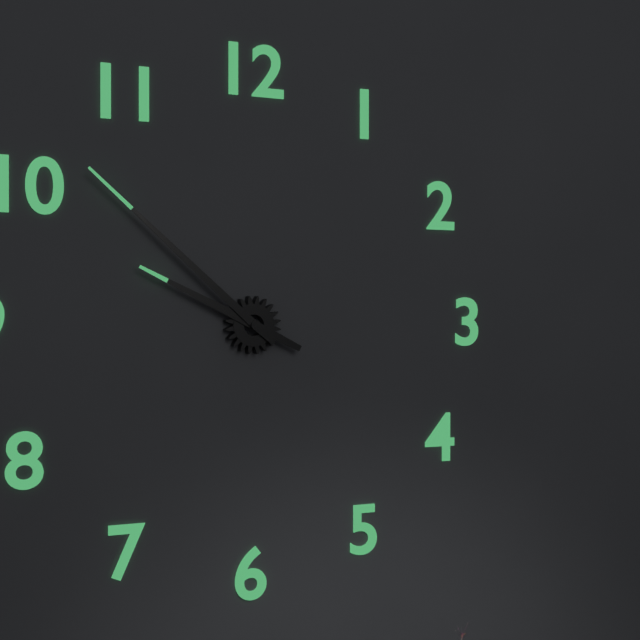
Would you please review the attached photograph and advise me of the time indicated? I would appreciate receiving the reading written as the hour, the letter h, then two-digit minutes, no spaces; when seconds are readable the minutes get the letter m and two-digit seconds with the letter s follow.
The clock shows 9h52
